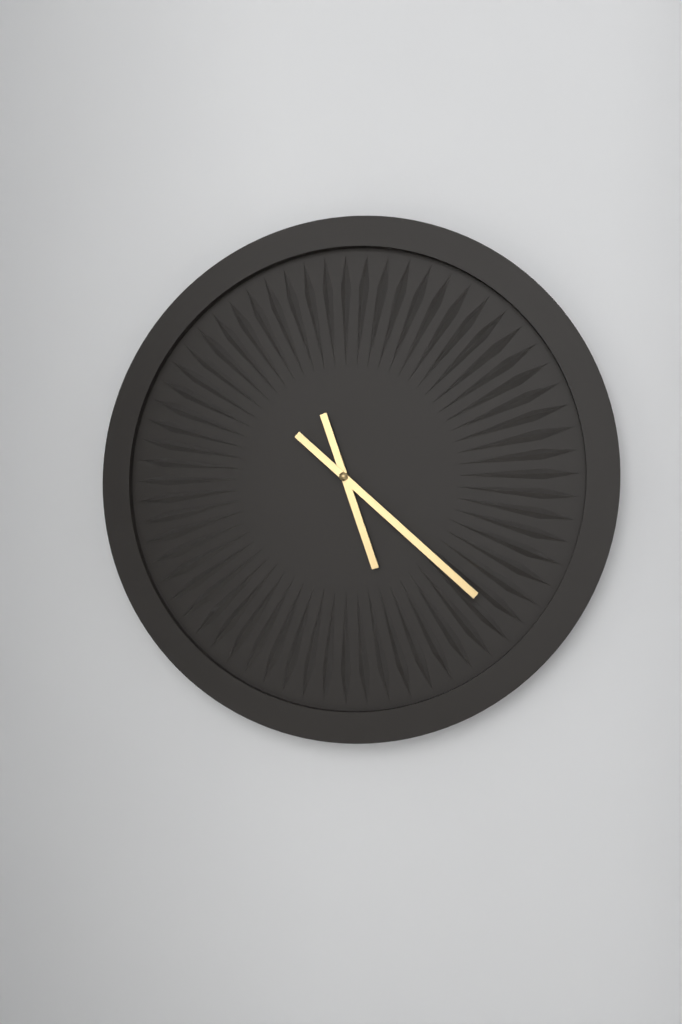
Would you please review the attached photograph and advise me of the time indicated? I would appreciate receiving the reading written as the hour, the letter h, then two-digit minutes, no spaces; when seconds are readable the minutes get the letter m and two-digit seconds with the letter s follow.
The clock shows 5h22
